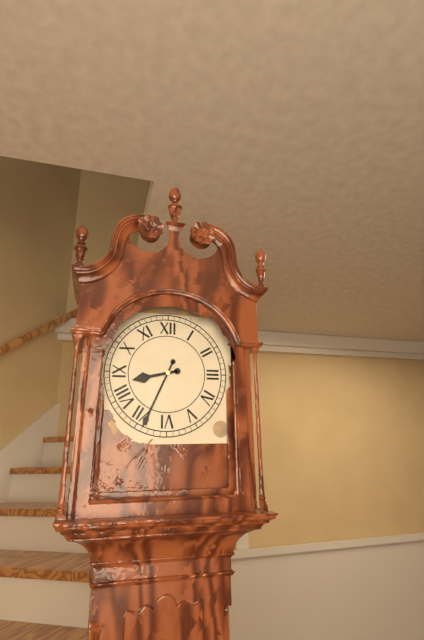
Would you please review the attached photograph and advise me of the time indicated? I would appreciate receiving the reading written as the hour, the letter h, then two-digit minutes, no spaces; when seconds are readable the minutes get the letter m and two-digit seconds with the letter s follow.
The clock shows 8h34
